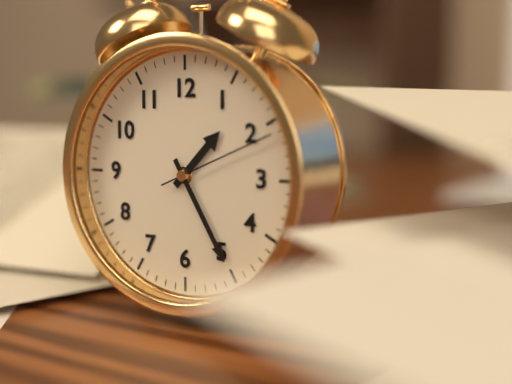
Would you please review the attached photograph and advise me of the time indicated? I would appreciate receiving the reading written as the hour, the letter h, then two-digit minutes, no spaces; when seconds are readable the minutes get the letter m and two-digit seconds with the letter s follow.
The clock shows 1h25m11s
